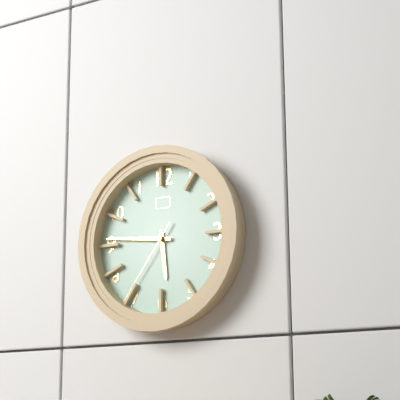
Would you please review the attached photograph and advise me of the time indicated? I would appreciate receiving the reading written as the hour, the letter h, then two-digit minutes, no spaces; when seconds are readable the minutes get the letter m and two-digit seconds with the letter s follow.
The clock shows 5h46m36s
